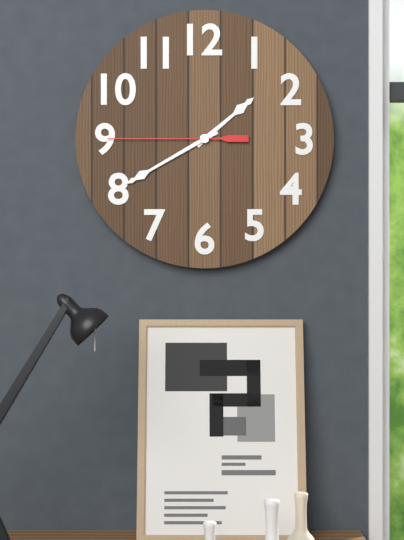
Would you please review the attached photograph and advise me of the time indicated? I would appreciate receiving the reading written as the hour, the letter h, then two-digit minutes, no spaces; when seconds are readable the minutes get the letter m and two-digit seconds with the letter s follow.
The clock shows 1h40m45s
